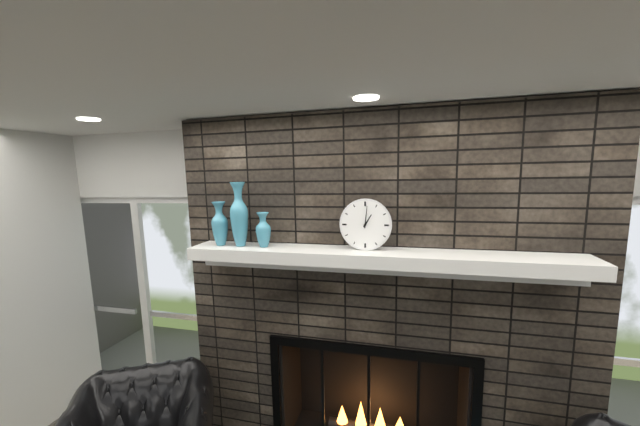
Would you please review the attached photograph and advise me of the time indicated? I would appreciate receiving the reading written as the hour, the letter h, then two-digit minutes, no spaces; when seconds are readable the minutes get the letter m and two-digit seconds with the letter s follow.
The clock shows 1h01
